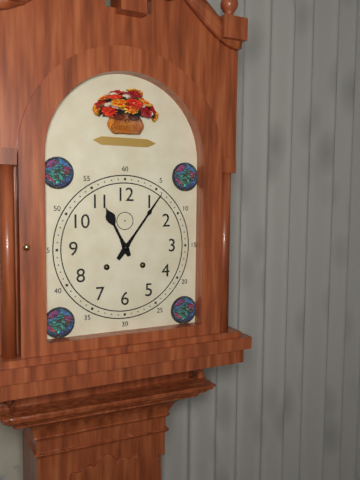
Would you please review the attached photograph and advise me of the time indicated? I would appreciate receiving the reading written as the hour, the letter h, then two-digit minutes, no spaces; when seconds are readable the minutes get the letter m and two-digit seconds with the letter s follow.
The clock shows 11h06
